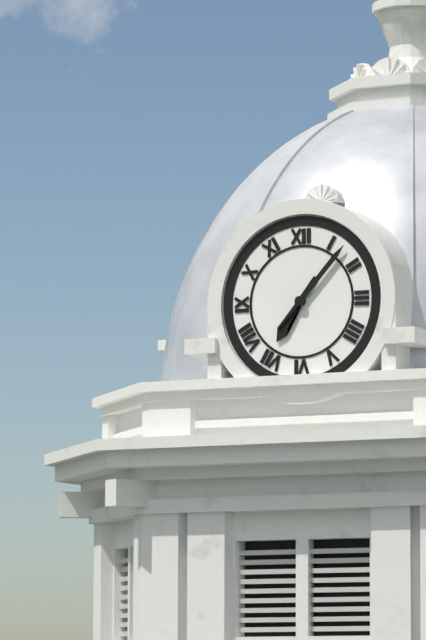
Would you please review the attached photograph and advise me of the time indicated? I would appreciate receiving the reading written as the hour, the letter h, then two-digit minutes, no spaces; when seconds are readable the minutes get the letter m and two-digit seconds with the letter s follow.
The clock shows 7h07
